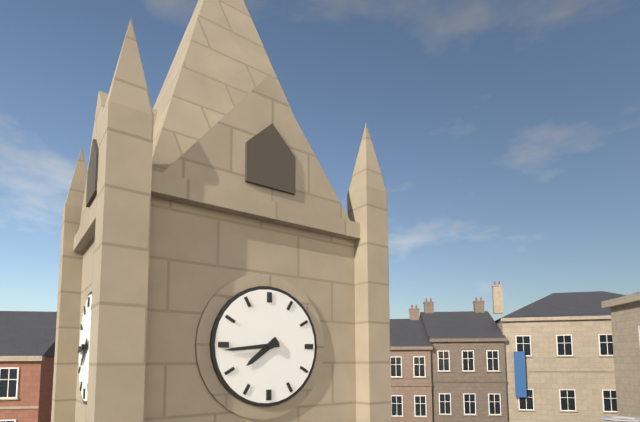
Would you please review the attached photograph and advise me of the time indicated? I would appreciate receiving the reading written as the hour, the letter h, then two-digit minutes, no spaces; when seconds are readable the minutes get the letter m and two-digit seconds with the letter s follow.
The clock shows 7h44
